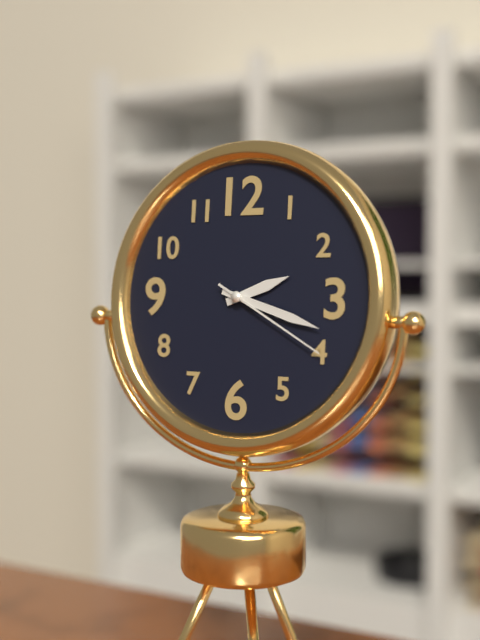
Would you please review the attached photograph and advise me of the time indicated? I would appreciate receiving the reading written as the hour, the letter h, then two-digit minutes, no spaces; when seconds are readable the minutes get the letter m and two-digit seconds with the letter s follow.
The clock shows 2h18m20s
